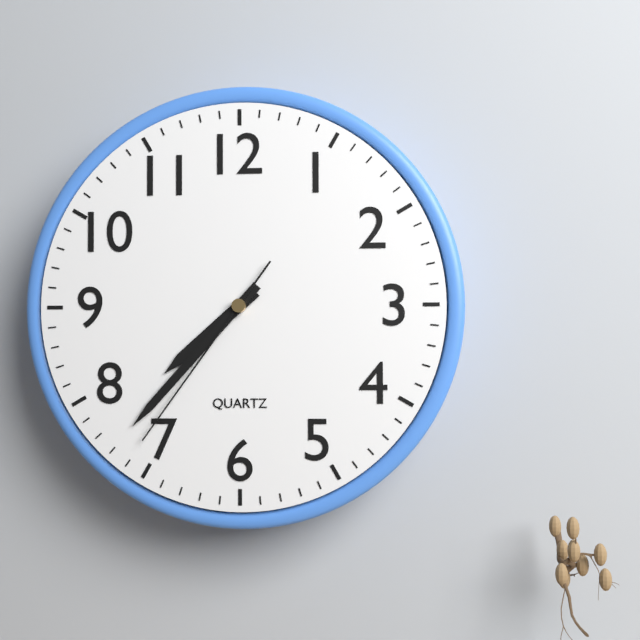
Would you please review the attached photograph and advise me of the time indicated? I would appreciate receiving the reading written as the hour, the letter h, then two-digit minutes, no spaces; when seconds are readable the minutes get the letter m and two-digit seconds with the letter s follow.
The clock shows 7h37m36s
